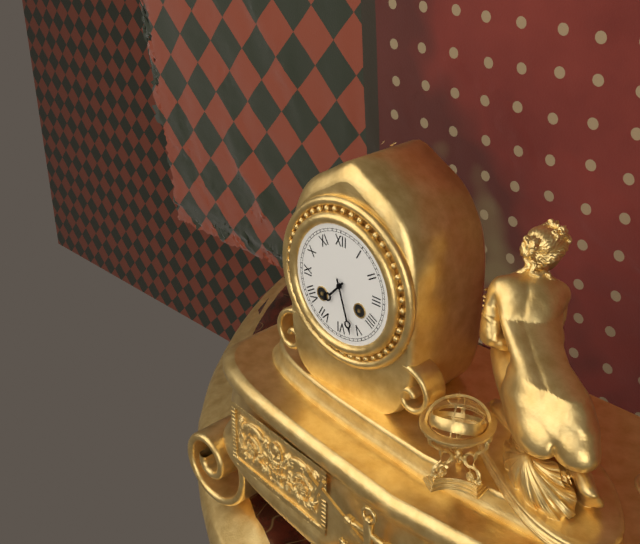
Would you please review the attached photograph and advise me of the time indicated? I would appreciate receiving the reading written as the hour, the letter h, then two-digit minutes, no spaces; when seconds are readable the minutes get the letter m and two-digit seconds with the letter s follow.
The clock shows 7h27
